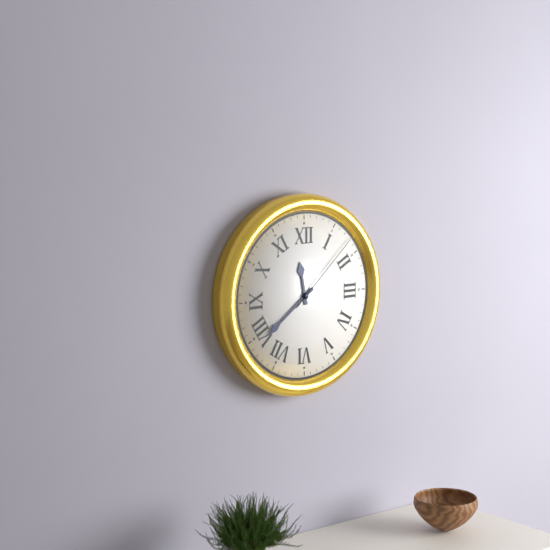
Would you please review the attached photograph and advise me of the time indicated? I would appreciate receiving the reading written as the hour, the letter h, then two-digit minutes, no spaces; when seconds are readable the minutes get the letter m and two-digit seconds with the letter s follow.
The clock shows 11h39m08s
